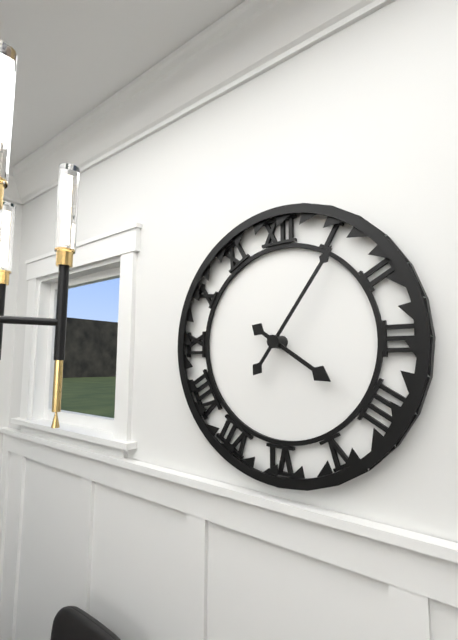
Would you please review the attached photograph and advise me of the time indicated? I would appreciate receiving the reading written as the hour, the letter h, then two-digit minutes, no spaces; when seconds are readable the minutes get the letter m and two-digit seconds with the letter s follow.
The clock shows 4h06
